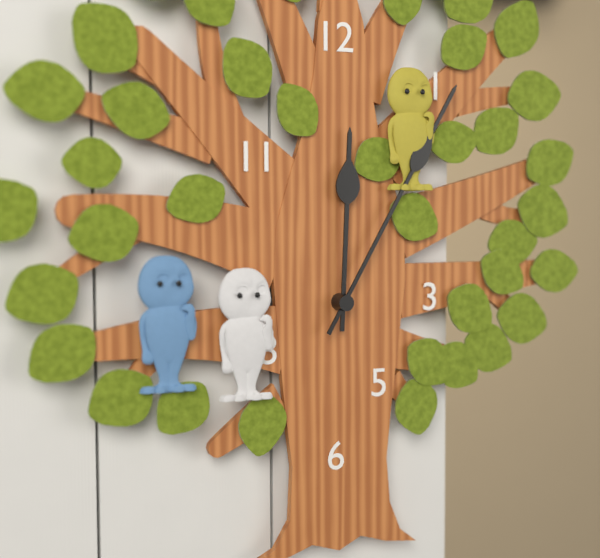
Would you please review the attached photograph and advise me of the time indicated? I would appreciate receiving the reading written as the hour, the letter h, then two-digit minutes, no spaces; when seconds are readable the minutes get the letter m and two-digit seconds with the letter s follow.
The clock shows 12h05
